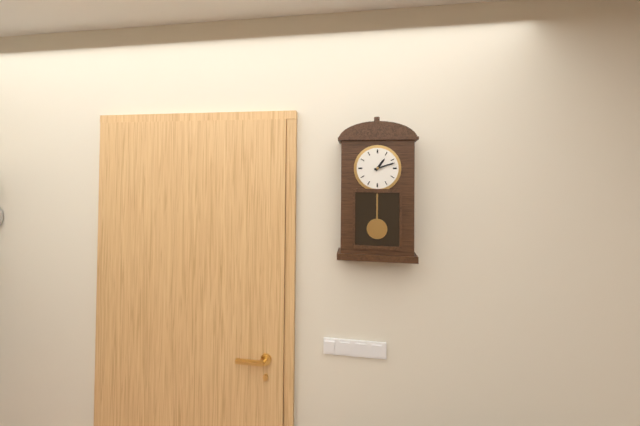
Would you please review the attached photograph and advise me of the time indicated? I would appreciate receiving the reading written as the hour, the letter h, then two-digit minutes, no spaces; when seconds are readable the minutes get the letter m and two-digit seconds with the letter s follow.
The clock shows 1h12
